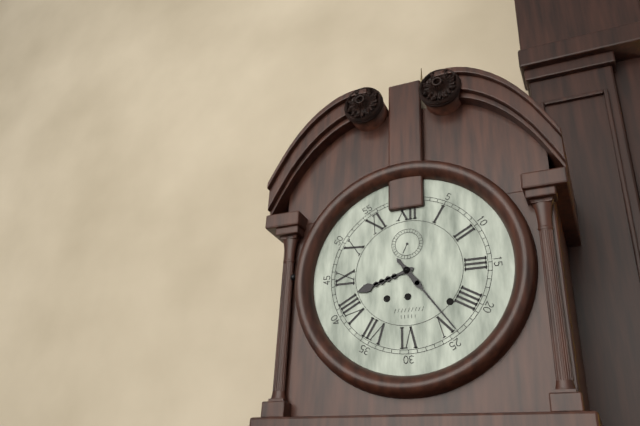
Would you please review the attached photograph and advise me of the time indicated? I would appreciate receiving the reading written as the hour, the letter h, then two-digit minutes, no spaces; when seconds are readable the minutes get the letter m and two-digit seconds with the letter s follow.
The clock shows 8h24
